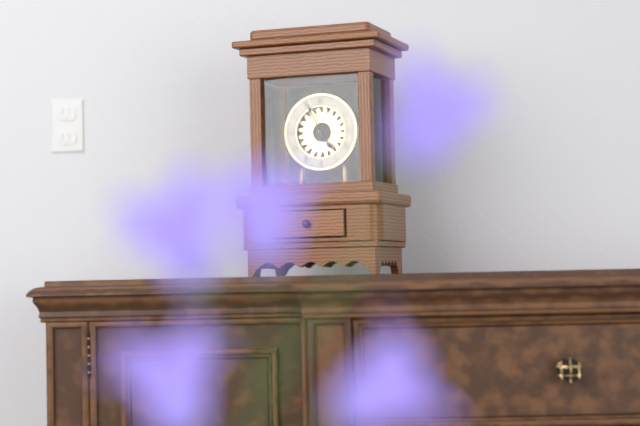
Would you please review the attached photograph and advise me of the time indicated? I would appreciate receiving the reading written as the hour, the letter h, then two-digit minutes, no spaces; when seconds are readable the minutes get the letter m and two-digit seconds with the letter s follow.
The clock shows 4h56
